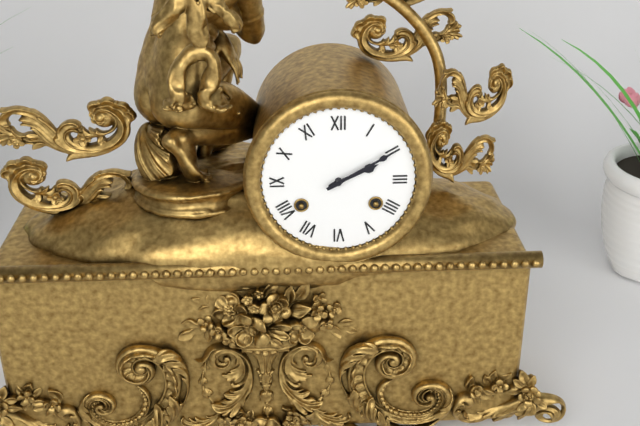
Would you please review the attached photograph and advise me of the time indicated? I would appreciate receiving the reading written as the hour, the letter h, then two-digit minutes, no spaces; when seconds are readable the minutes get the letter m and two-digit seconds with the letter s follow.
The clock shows 2h10
